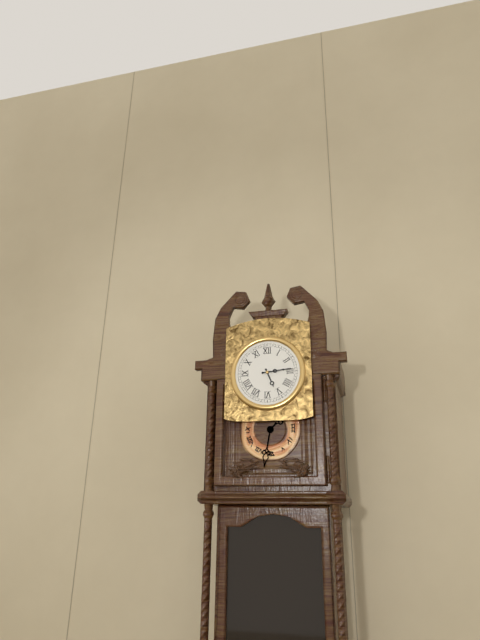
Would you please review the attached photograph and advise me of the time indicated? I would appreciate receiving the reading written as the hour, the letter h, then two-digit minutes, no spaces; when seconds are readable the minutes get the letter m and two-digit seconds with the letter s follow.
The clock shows 5h14
